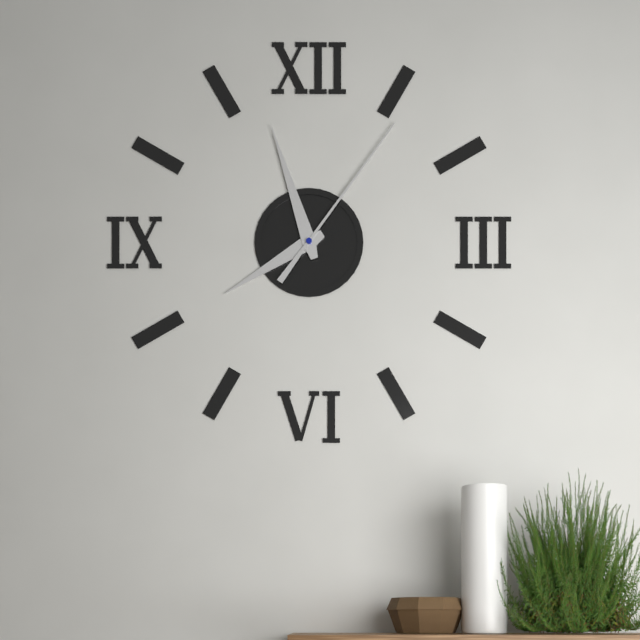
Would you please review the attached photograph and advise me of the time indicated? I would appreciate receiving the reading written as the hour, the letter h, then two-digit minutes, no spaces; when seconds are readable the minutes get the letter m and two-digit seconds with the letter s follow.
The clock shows 7h57m06s
